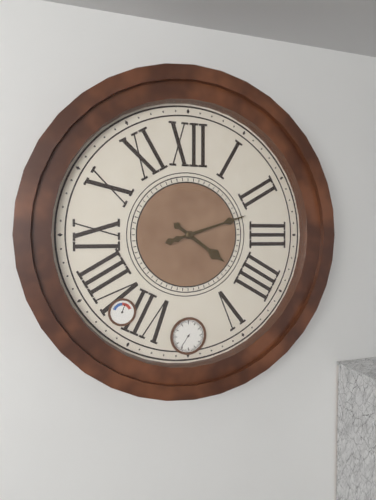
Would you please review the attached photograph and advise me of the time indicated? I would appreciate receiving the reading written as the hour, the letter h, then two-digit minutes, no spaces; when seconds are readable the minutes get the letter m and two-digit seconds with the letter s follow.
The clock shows 4h12
